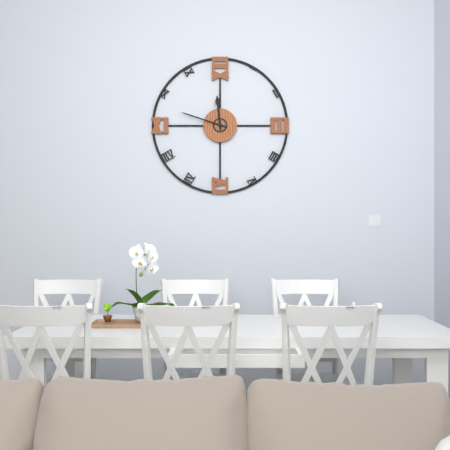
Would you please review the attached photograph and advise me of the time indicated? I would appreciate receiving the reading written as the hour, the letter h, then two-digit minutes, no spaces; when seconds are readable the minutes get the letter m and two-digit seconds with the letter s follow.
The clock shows 11h48
